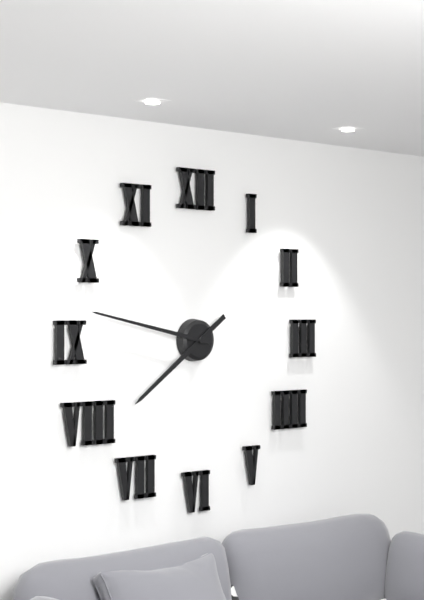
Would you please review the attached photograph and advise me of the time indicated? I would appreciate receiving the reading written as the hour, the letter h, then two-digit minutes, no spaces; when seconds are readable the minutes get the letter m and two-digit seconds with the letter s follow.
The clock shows 7h47
